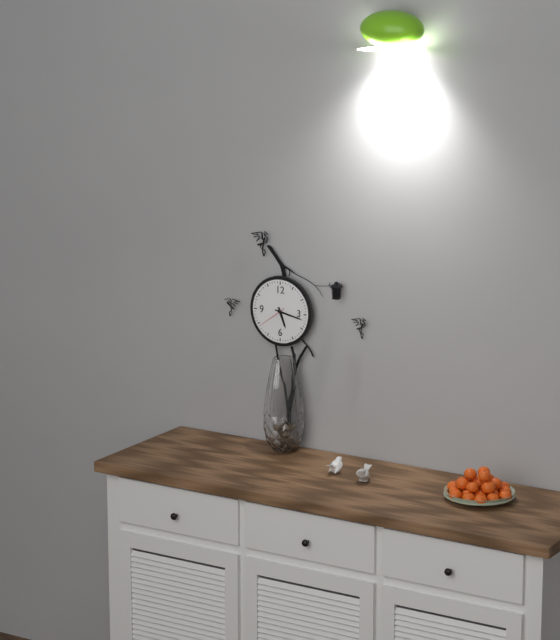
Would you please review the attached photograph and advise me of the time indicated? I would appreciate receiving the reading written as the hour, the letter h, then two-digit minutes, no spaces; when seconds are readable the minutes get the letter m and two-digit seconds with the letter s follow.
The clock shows 5h17
